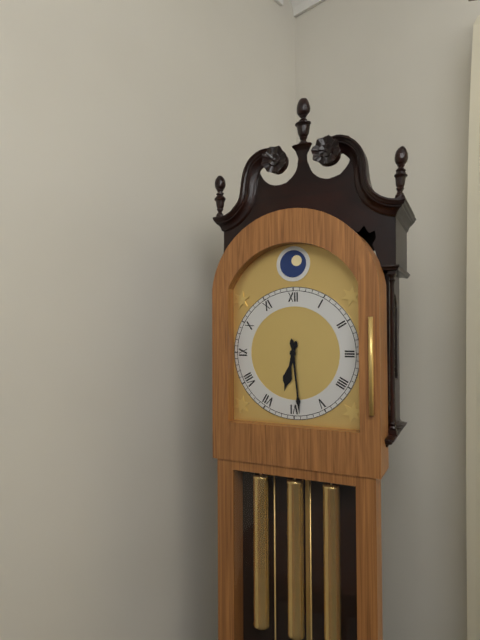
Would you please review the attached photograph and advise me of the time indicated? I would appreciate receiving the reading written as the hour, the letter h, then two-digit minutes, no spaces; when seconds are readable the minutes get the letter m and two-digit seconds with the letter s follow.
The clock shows 6h29
